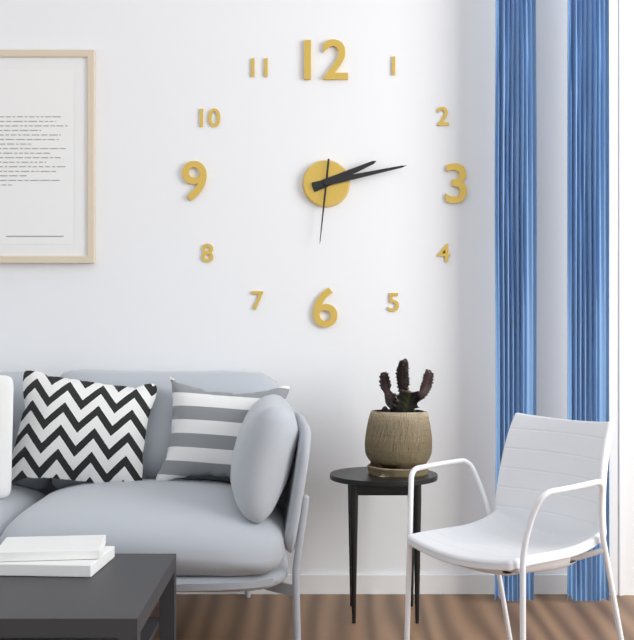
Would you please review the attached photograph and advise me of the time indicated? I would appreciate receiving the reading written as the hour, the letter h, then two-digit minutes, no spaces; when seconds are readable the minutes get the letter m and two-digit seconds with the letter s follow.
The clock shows 2h13m31s
